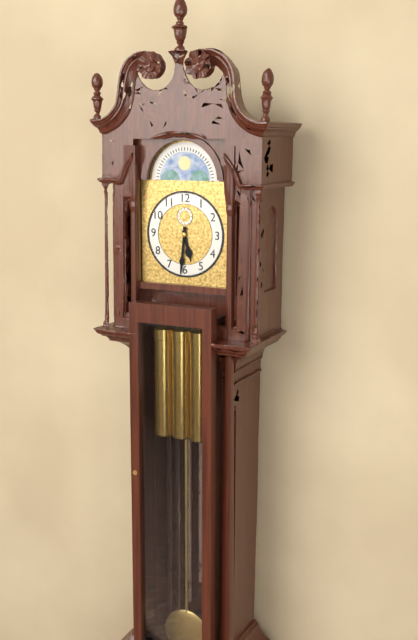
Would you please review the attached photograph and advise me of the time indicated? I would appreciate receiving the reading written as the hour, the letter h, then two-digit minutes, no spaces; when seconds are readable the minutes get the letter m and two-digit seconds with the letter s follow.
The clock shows 5h31
